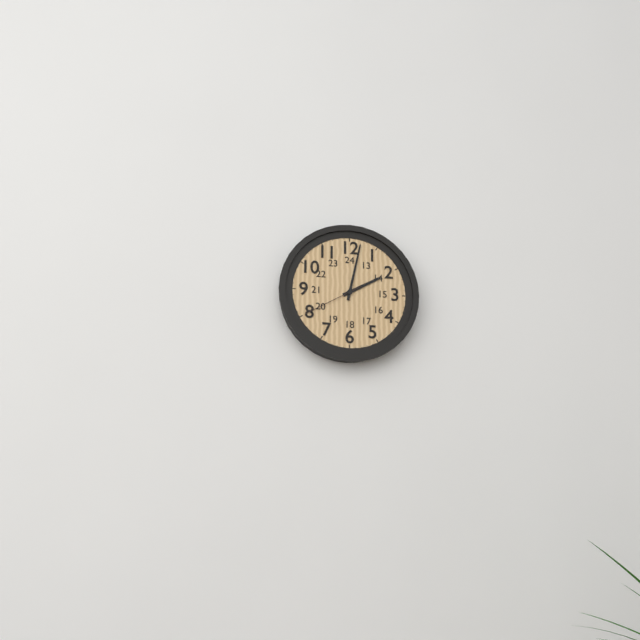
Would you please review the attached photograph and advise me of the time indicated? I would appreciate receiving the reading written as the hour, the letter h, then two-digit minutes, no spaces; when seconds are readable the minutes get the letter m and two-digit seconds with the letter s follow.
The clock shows 2h02m40s
